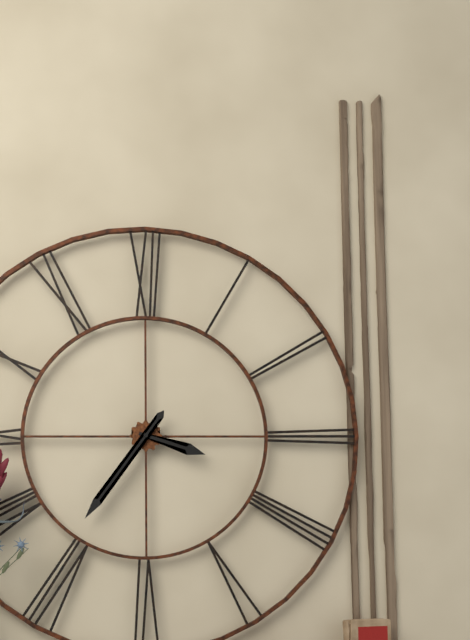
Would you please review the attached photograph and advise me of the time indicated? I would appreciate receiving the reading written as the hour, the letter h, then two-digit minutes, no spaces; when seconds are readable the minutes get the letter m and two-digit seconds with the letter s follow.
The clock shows 3h36
